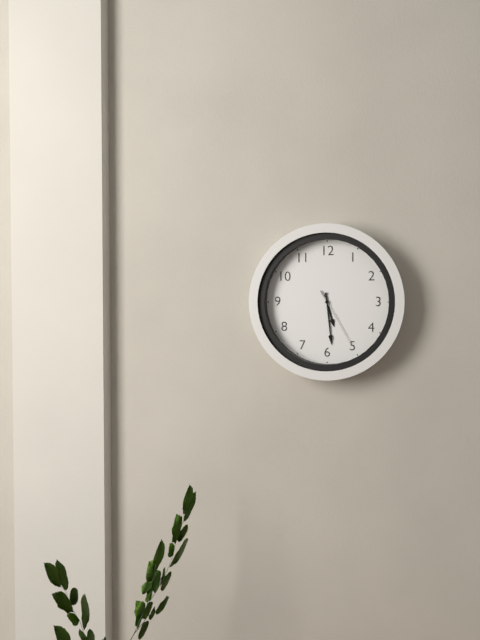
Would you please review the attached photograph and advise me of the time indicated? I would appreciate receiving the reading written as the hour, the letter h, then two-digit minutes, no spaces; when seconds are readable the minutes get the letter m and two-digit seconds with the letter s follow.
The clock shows 5h29m25s
